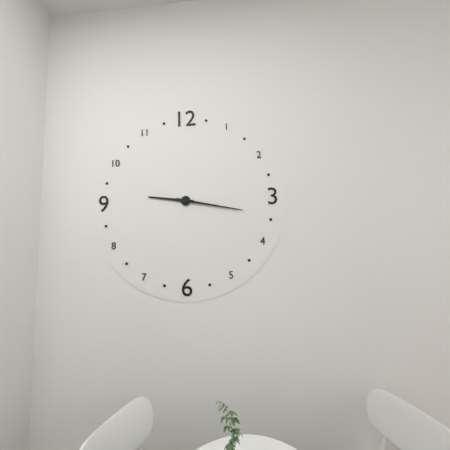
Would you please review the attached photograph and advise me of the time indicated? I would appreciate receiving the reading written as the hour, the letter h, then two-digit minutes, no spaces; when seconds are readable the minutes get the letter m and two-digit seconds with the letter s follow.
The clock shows 9h17
